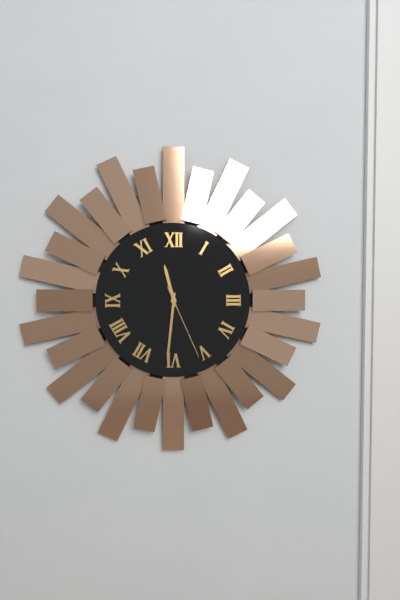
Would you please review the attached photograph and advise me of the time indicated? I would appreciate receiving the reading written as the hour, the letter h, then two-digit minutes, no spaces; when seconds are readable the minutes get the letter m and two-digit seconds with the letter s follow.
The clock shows 11h31m26s
